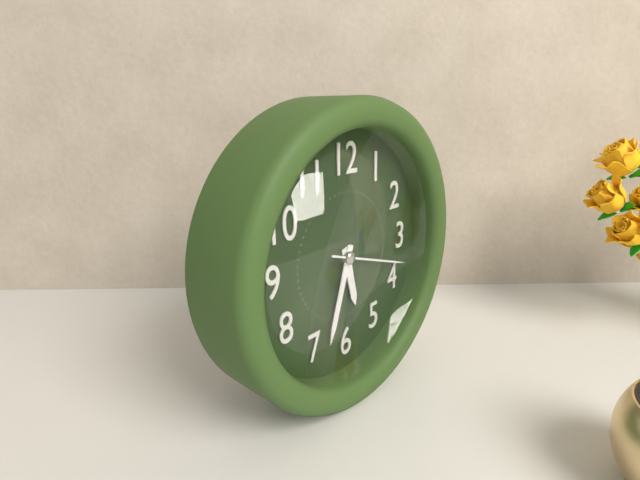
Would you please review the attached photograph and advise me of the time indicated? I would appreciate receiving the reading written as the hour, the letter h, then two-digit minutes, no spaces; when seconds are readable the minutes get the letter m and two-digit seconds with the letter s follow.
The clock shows 5h33m18s
